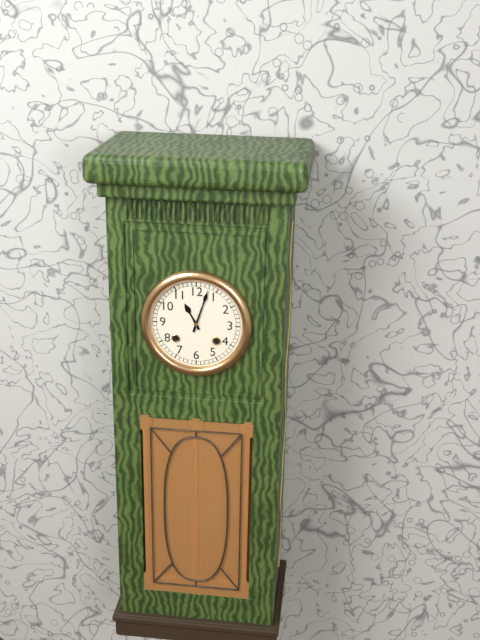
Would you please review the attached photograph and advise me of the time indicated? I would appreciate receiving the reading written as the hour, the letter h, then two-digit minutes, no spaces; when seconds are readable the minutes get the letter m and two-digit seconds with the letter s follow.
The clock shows 11h03
